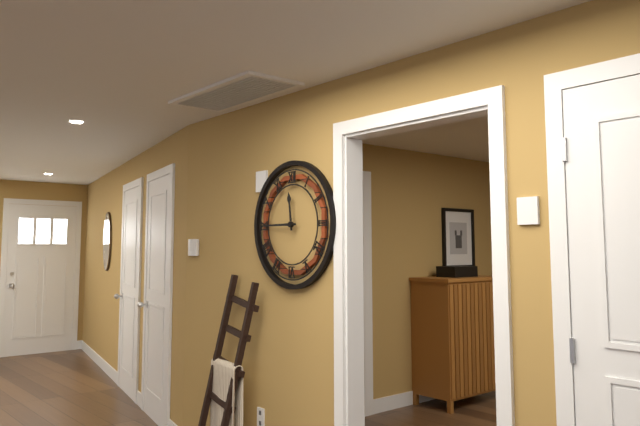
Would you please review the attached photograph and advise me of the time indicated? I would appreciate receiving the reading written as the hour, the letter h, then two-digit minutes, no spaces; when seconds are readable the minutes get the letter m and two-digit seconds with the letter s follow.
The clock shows 11h45
